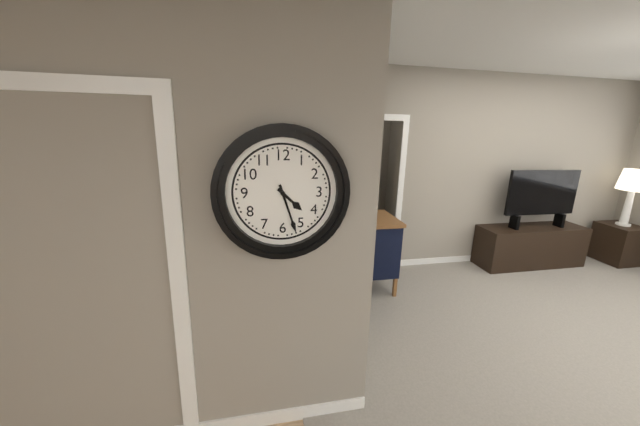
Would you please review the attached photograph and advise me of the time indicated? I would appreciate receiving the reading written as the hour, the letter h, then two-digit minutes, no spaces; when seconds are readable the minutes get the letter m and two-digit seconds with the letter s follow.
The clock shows 4h27
